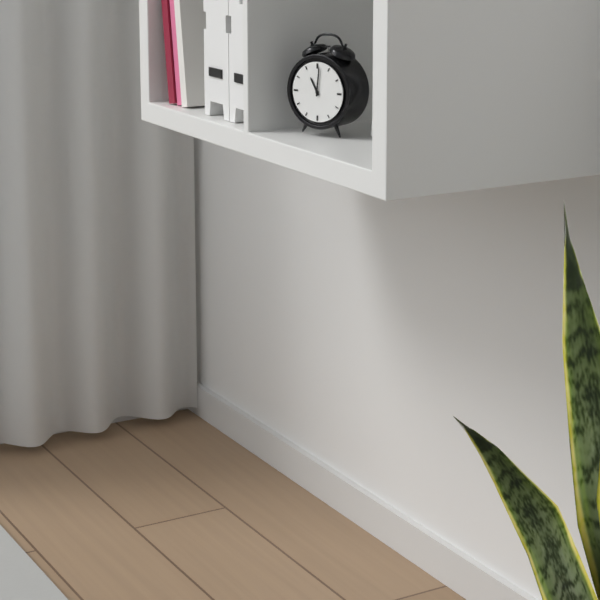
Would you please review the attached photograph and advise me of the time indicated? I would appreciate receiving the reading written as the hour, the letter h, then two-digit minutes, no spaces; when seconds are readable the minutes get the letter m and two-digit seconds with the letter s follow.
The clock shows 11h01
